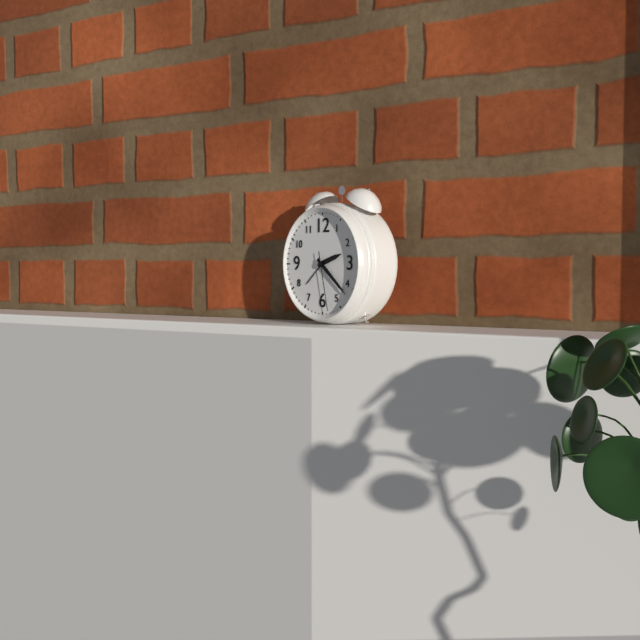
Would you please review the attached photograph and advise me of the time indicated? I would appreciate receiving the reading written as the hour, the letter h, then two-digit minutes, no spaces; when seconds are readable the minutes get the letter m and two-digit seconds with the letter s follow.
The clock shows 2h22m28s
